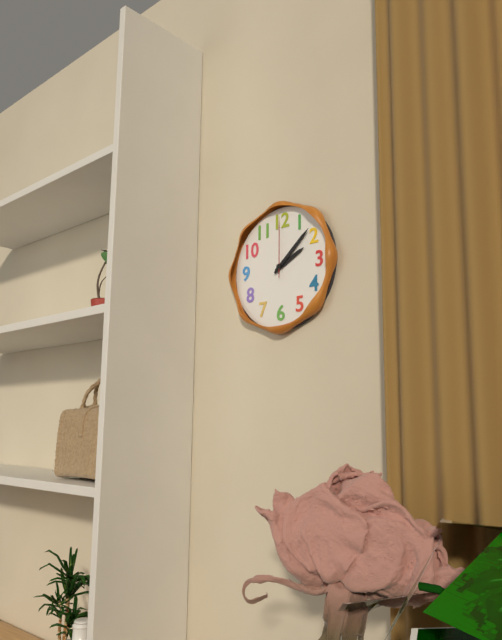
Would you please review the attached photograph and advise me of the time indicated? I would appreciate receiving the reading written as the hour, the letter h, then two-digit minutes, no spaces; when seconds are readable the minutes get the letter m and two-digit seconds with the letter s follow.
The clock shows 2h08m00s
